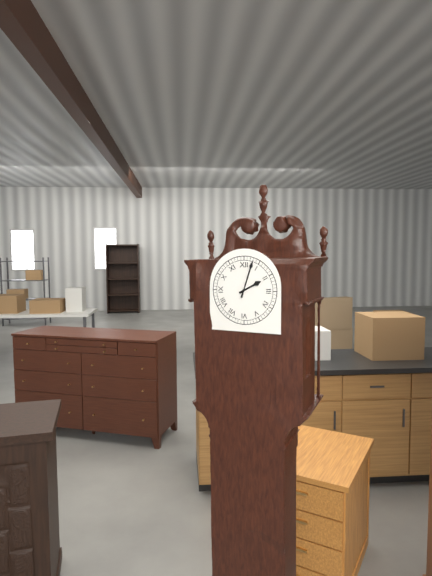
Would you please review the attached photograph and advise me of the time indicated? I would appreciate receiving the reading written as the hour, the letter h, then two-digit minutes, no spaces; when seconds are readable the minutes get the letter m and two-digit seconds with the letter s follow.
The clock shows 2h03
